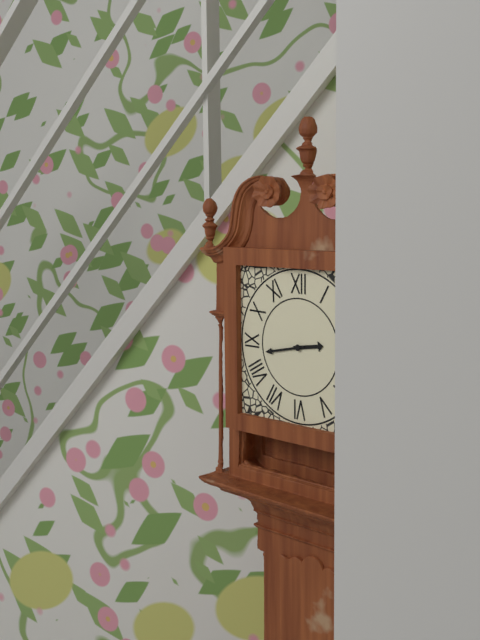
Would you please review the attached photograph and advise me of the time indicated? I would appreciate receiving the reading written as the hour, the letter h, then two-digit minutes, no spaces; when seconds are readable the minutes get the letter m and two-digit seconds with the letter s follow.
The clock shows 2h43
